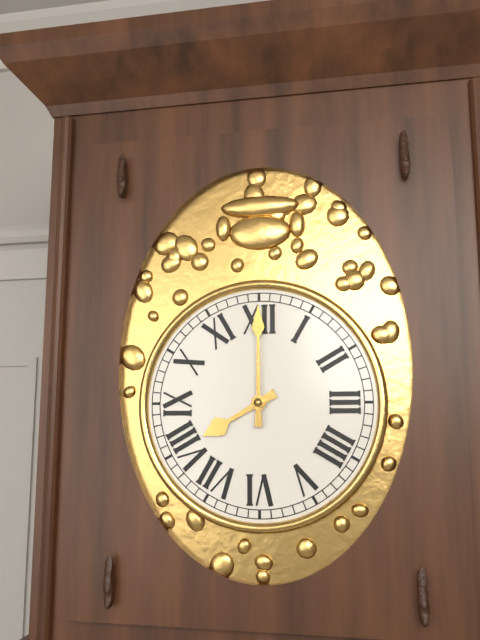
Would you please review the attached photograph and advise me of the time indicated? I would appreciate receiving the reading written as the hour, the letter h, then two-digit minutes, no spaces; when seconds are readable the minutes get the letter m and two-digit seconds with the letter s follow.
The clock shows 8h00
